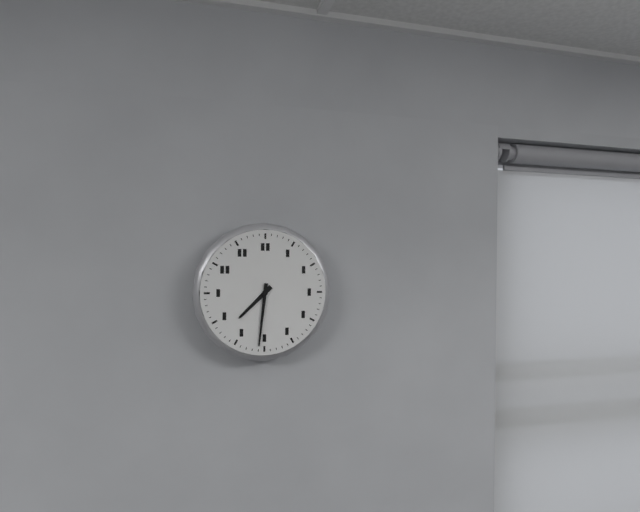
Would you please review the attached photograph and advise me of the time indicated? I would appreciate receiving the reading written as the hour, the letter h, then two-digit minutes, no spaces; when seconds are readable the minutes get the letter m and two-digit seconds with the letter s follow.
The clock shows 7h31
